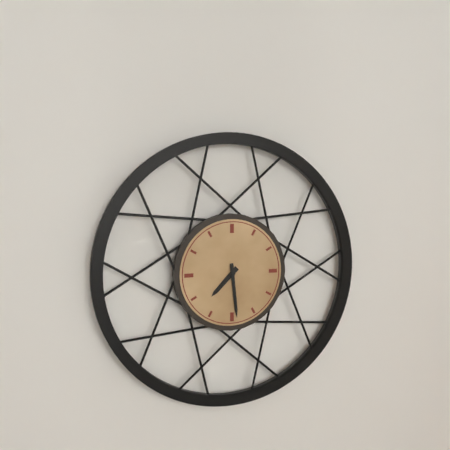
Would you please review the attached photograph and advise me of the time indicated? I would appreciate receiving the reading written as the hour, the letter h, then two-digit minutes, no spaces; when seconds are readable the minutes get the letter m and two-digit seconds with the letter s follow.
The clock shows 7h29
